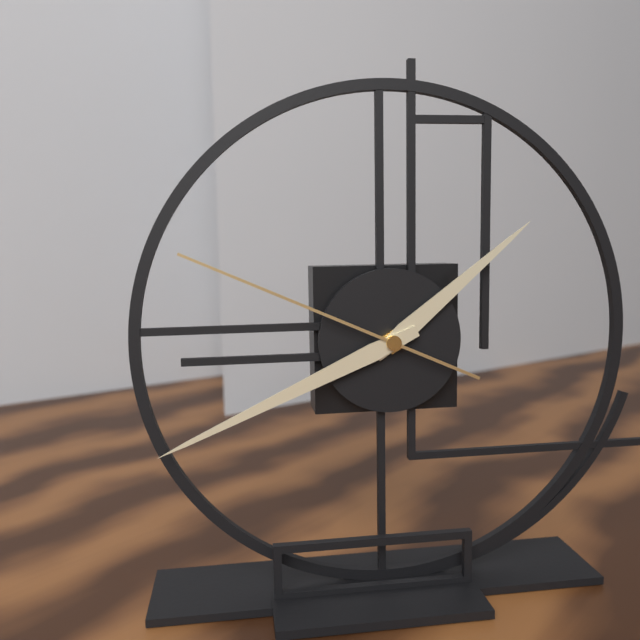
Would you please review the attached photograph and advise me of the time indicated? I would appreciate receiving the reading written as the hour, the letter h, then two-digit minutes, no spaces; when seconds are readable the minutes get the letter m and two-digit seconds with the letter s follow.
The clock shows 1h41m49s
